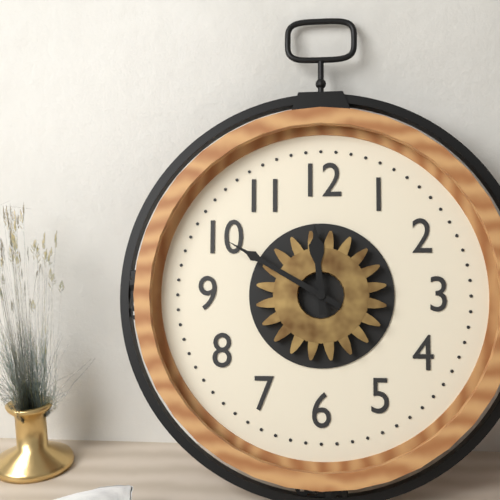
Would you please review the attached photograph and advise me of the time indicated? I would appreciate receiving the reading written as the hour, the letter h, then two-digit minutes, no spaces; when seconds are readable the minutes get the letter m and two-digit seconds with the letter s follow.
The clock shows 11h50
